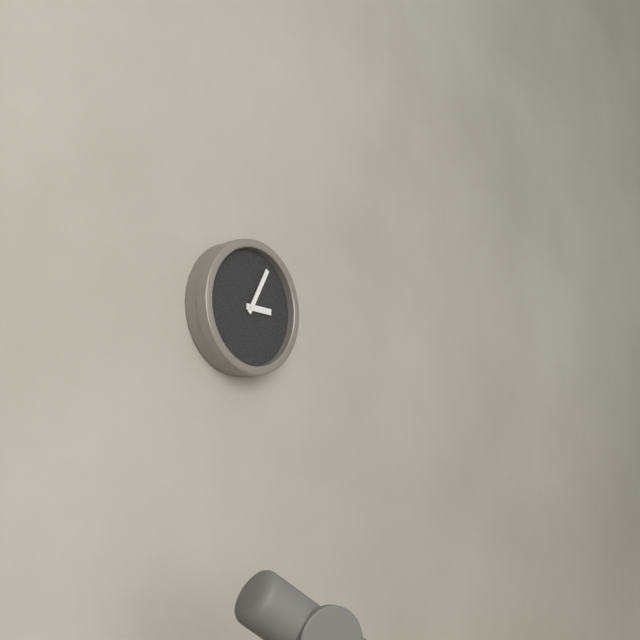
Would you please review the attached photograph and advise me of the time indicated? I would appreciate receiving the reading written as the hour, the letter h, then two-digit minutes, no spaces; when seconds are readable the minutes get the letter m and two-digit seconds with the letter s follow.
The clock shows 3h05
